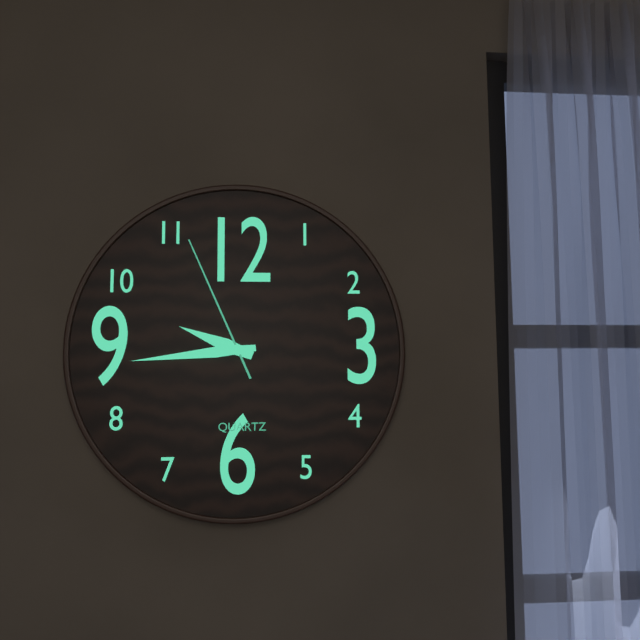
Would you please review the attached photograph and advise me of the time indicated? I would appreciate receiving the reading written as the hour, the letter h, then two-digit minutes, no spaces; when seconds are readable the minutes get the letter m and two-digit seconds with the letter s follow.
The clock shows 9h44m56s
